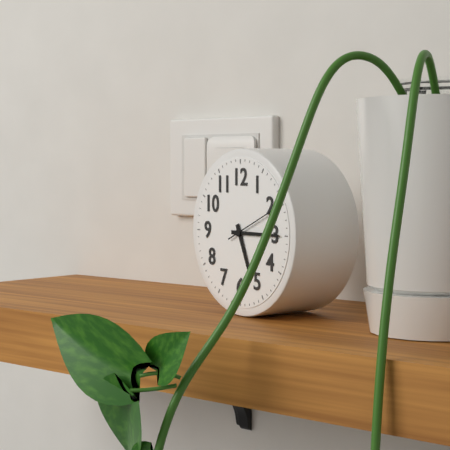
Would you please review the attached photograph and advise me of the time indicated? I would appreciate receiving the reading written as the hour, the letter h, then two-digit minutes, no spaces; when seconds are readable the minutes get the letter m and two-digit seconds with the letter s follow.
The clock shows 5h15m11s
